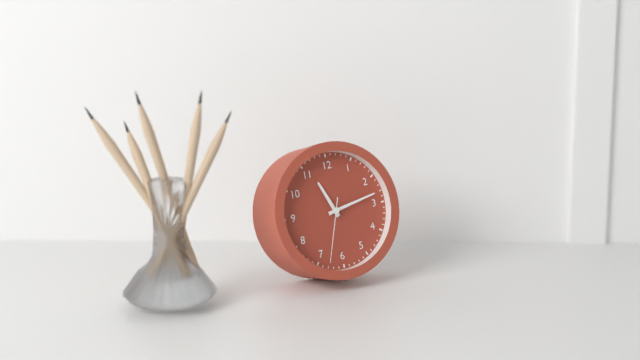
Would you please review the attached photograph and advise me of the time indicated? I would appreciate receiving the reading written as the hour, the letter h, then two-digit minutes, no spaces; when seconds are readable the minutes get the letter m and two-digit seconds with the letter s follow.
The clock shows 11h13m33s
